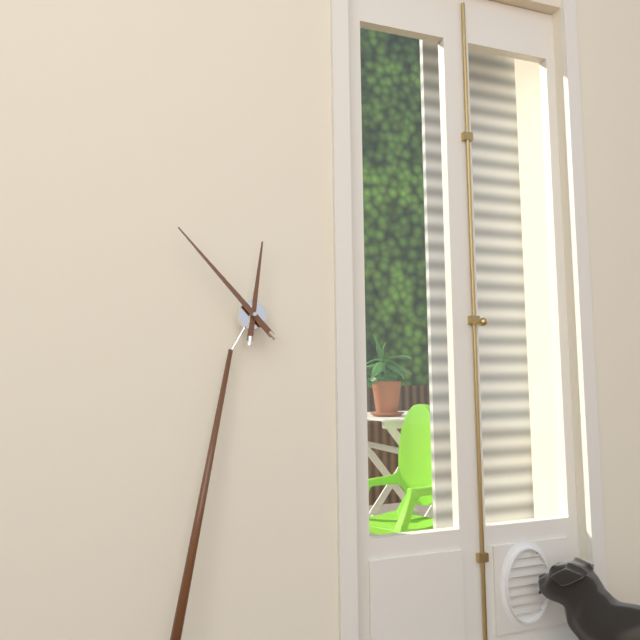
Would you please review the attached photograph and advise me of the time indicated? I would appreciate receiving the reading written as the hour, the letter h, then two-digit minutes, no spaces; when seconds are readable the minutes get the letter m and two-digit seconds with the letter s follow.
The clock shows 11h51
